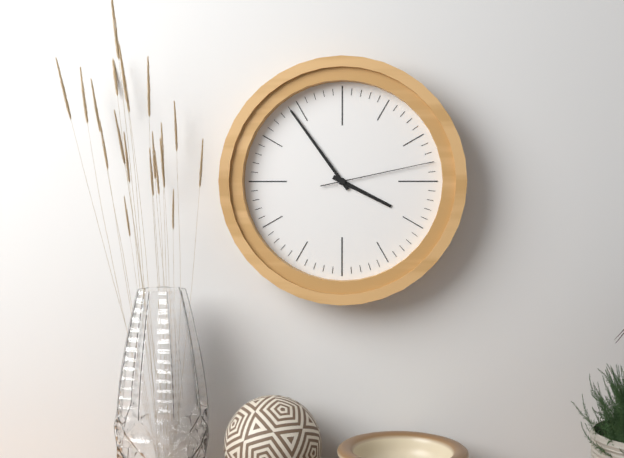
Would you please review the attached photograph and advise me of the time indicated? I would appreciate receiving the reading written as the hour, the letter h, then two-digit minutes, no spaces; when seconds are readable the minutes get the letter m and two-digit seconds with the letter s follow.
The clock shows 3h54m13s
